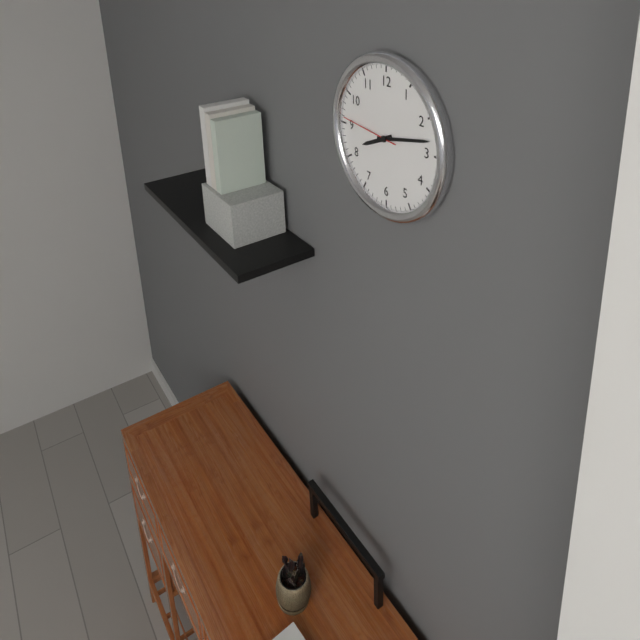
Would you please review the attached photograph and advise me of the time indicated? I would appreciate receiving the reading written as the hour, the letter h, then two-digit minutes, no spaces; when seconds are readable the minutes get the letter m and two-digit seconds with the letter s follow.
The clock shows 8h13m46s
